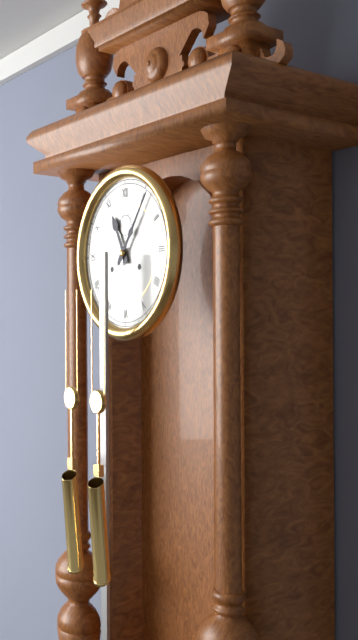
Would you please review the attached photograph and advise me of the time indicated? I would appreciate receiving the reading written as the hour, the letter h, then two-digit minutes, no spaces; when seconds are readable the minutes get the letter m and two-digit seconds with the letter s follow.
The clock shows 11h06
